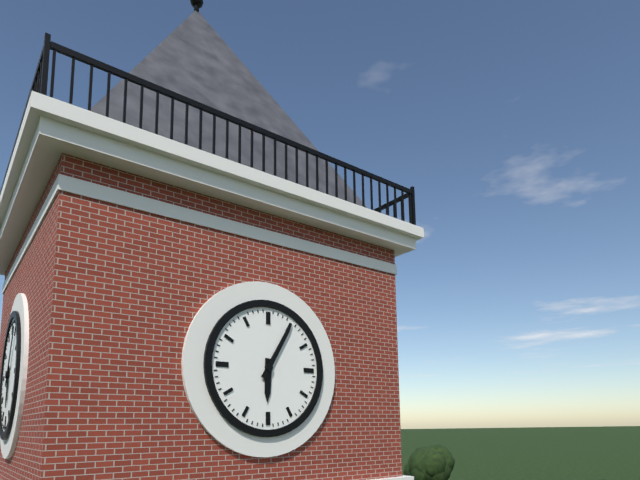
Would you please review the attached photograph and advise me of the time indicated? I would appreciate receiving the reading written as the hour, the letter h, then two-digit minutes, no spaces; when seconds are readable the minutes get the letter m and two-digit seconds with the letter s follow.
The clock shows 6h05
